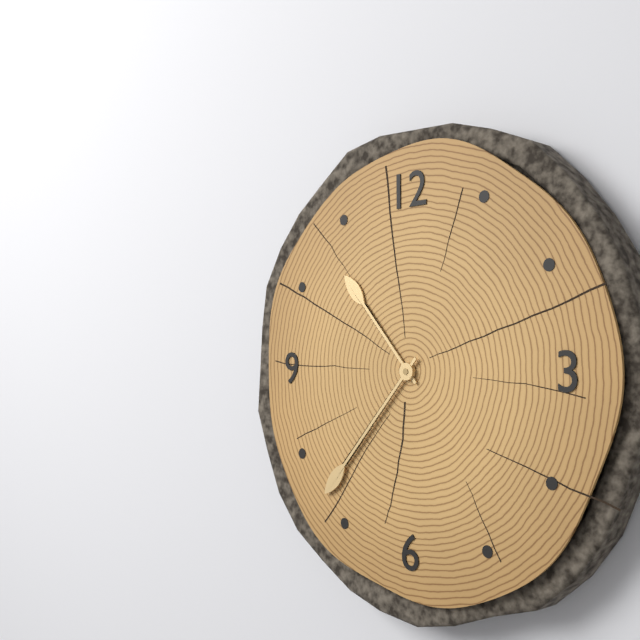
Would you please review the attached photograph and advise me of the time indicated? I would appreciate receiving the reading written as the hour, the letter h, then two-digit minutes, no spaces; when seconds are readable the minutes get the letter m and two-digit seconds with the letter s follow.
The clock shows 10h37
